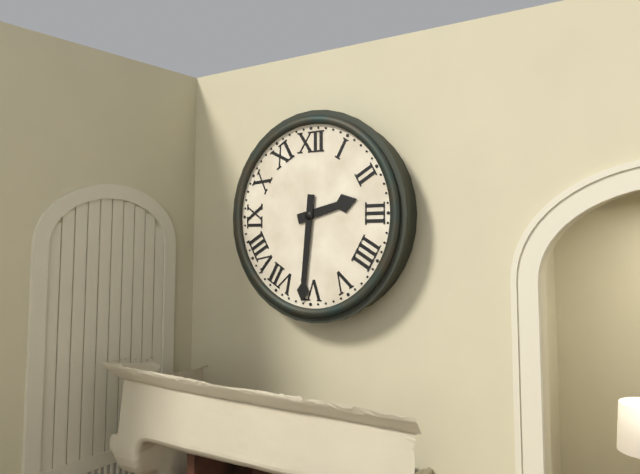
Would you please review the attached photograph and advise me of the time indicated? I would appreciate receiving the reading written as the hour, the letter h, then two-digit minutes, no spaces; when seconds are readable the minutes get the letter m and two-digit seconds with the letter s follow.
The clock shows 2h31
